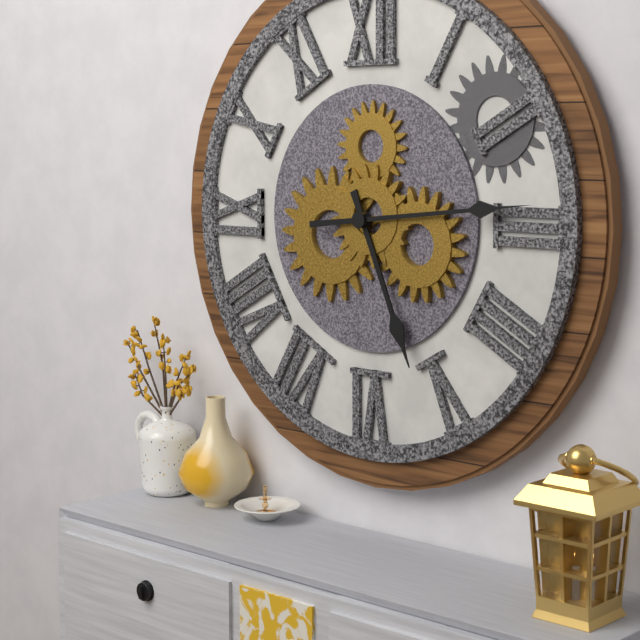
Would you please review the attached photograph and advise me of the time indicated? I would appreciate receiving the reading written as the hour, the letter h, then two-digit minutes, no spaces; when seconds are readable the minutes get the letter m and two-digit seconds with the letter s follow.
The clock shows 5h14
